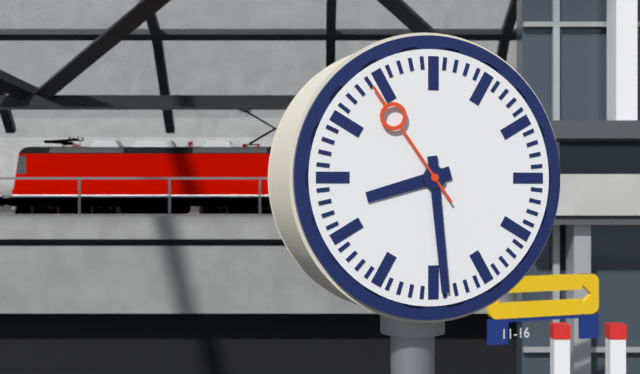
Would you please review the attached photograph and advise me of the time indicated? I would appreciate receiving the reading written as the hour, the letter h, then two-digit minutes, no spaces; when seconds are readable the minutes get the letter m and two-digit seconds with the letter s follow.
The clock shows 8h29m54s
